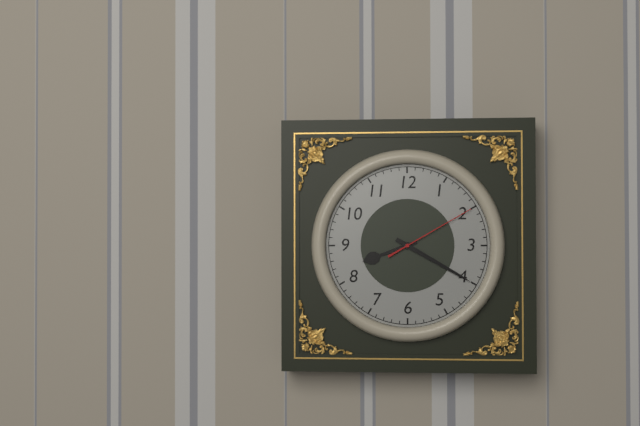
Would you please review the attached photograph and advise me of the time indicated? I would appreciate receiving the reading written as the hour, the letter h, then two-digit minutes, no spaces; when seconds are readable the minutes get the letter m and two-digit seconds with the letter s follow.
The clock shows 8h20m10s
